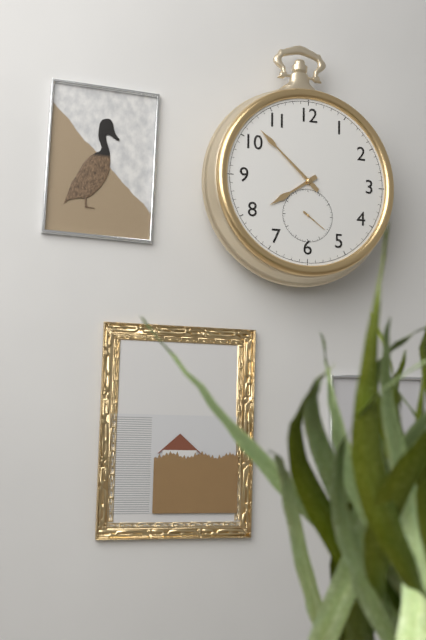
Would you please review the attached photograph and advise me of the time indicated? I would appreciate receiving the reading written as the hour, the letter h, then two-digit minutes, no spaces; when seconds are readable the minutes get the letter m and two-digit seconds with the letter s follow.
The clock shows 7h52
